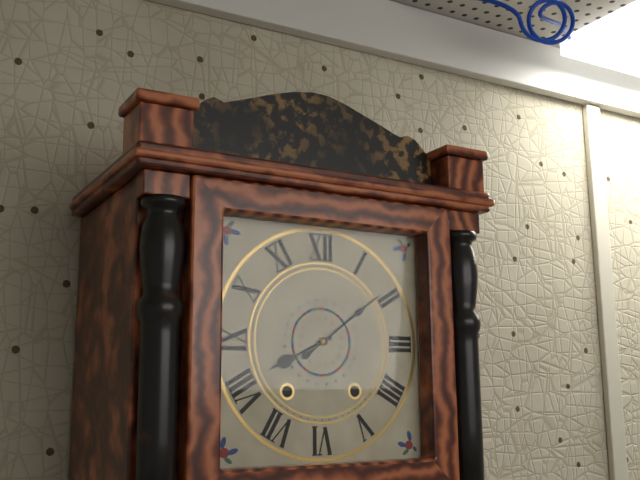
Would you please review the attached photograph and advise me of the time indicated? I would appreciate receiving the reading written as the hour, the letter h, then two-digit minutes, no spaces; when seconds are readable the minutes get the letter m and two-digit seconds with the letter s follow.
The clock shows 8h09
